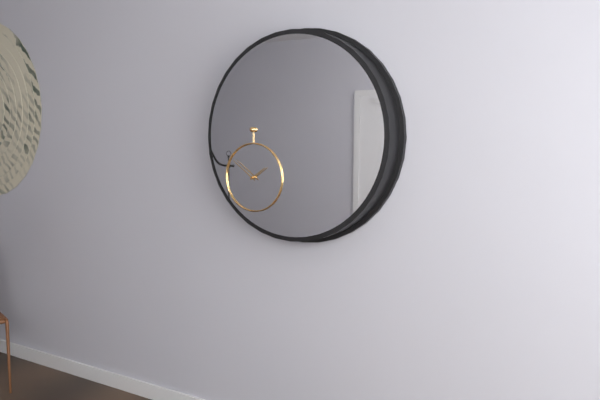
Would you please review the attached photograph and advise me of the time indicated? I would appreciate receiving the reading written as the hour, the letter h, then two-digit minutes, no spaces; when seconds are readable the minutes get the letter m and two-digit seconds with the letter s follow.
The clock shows 1h51
